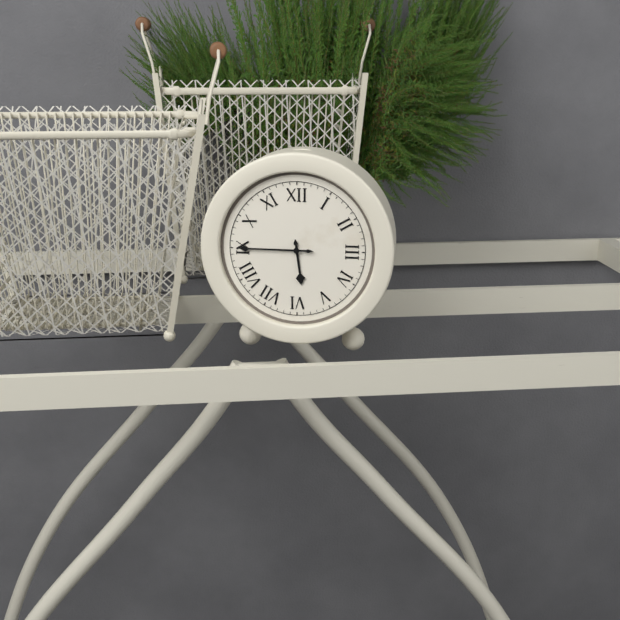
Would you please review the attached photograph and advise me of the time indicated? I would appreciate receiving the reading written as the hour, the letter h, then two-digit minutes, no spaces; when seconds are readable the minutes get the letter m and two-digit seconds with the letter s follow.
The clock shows 5h45
